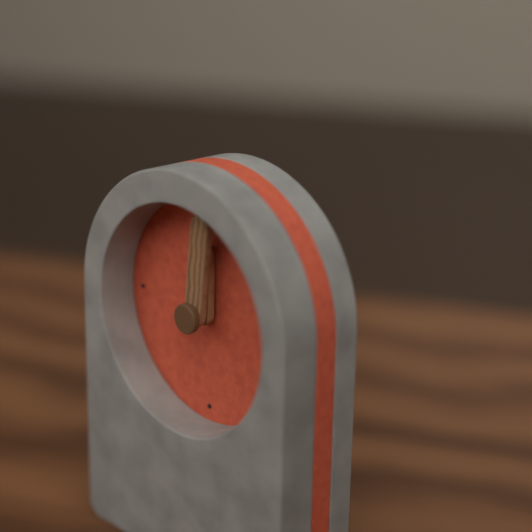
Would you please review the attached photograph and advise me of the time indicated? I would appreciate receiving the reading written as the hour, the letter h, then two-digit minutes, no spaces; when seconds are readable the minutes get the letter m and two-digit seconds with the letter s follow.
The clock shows 12h01
